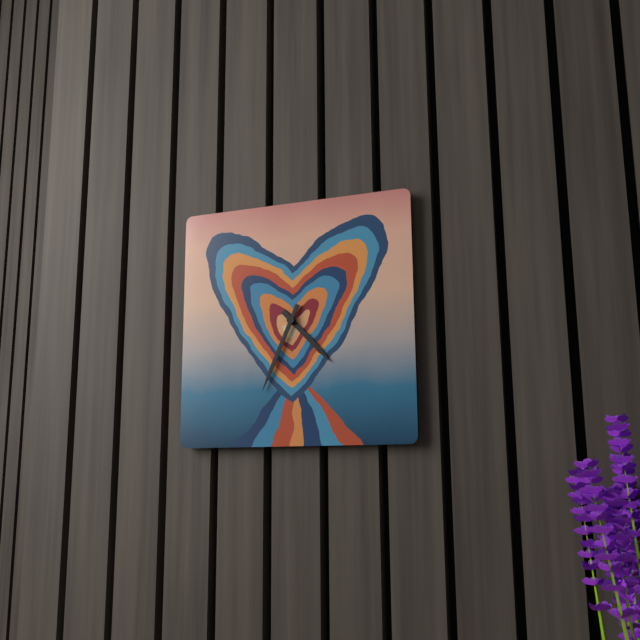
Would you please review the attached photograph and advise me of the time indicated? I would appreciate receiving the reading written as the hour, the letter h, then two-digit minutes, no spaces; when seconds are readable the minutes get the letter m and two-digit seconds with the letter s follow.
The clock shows 4h34
